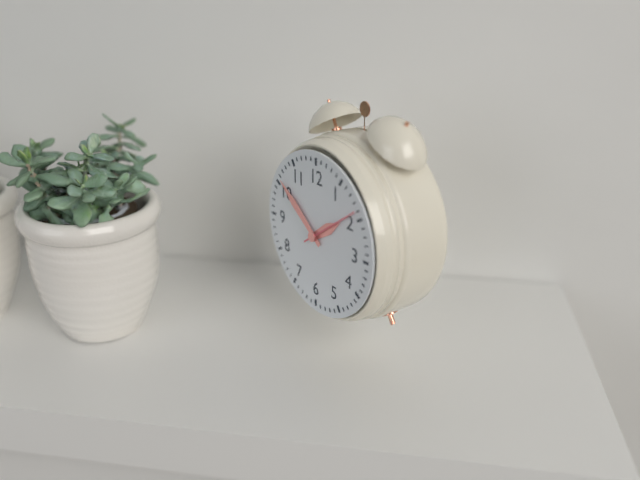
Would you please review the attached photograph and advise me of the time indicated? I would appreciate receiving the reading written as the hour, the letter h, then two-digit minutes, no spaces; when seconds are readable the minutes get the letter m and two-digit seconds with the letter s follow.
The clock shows 1h51m09s
